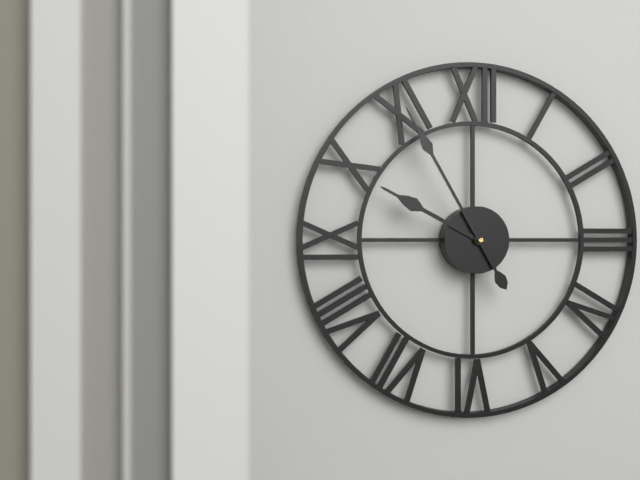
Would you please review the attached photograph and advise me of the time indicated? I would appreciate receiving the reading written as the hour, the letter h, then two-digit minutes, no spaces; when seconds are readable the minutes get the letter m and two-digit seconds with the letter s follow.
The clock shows 9h55
